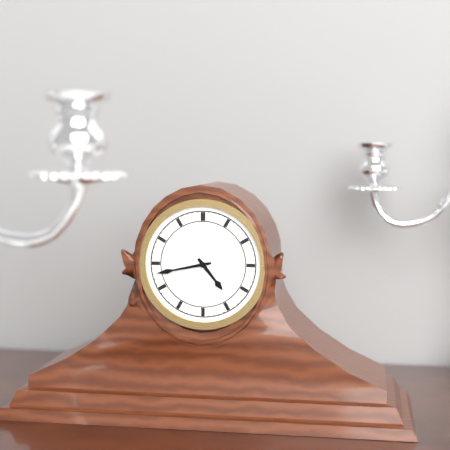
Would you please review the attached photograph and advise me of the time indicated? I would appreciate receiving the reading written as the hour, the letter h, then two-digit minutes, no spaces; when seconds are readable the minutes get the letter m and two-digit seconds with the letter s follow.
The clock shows 4h43
